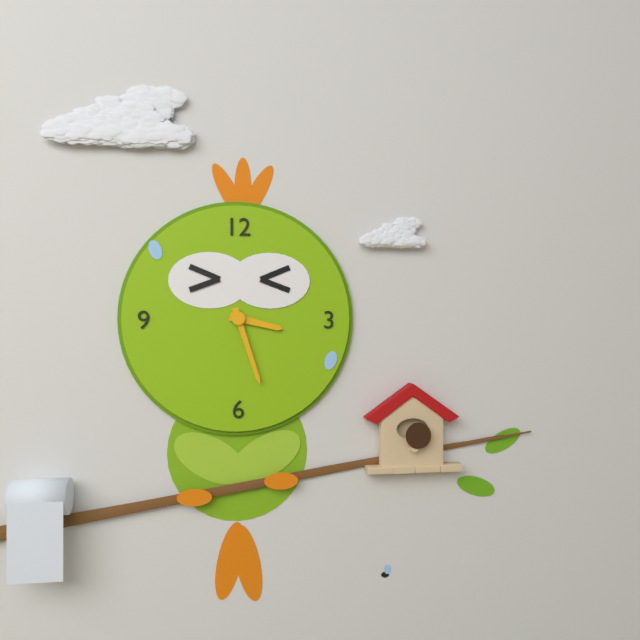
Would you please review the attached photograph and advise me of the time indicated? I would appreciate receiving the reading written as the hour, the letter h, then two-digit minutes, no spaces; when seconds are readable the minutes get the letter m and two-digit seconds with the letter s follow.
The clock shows 3h27
